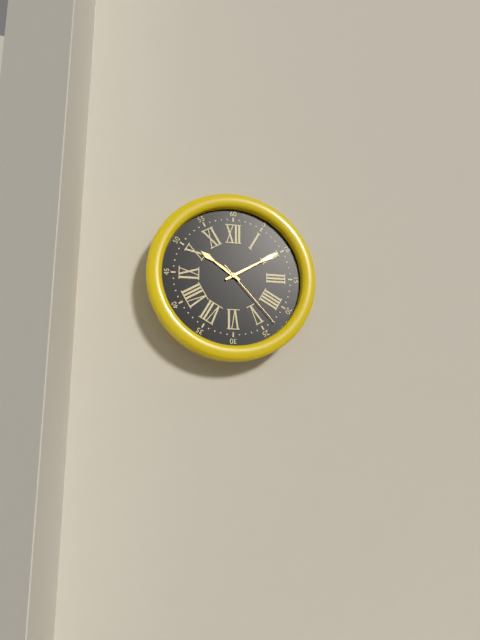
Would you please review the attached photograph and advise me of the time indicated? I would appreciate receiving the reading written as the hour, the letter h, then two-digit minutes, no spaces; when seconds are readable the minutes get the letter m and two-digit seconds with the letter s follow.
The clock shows 10h10m23s
